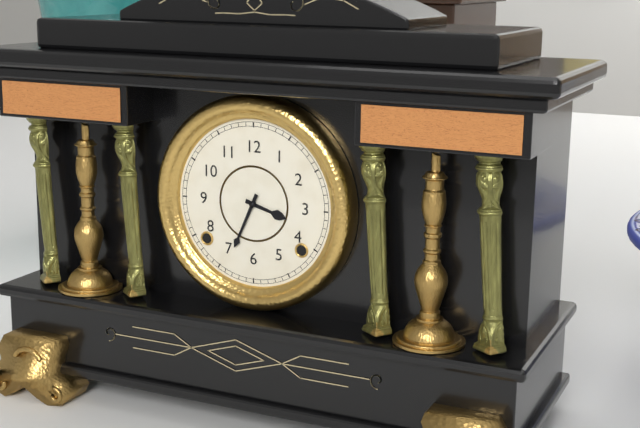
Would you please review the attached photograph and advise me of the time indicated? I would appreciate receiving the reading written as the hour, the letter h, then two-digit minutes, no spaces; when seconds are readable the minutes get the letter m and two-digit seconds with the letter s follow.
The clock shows 3h34
